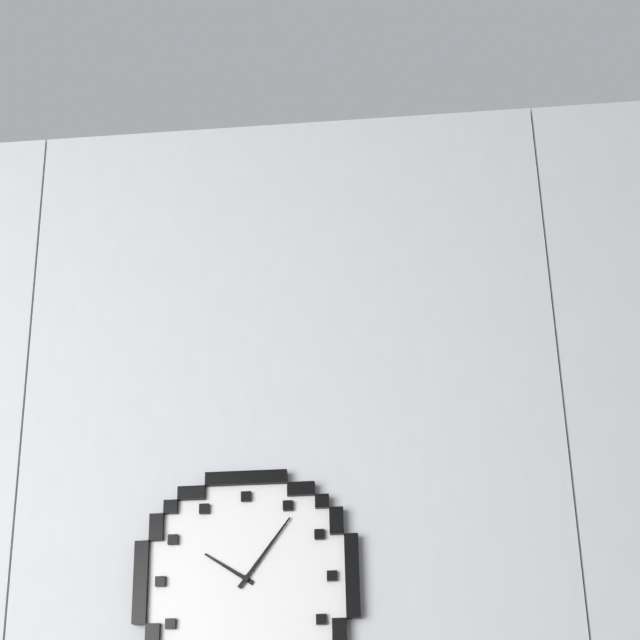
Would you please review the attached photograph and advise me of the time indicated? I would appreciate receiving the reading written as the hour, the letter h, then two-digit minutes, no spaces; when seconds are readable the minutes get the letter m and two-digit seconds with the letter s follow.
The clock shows 10h06
